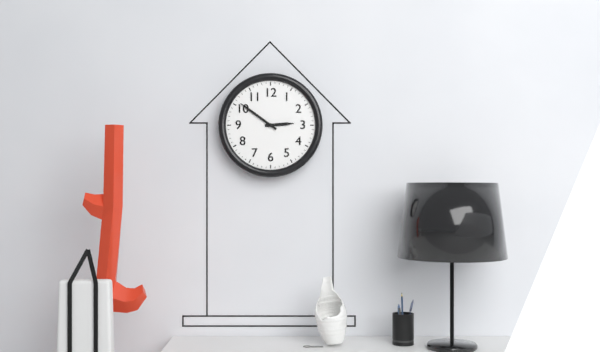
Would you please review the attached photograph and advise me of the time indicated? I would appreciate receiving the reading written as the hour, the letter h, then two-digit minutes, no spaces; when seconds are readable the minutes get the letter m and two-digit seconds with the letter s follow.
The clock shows 2h51
